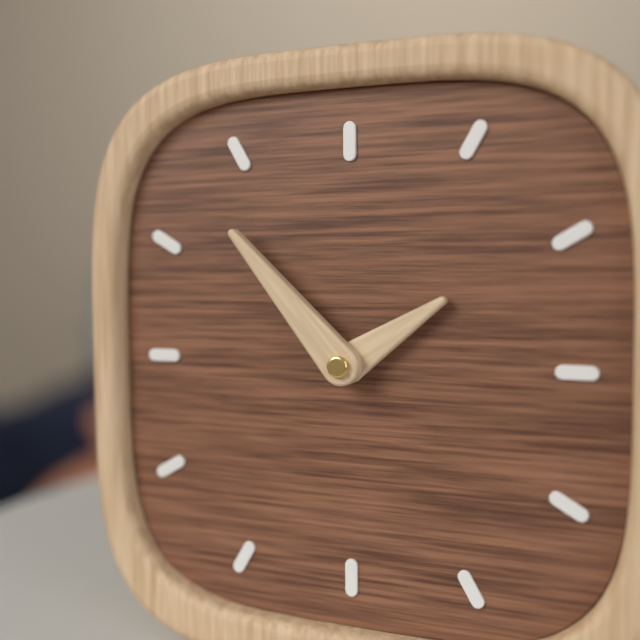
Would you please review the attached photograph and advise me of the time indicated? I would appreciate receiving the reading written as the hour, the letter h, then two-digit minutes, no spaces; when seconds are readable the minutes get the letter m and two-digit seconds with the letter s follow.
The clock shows 1h53
